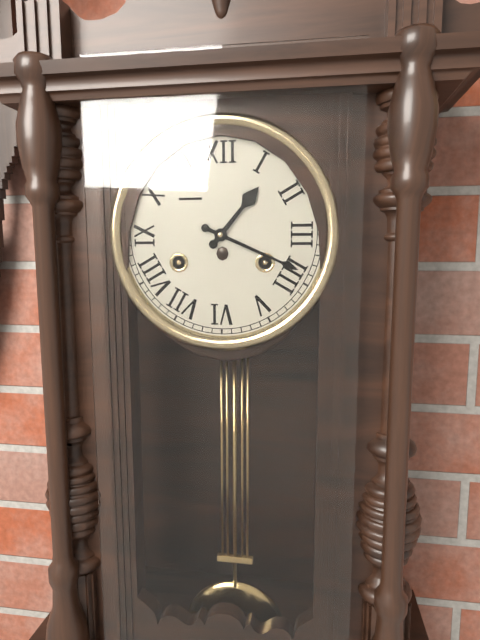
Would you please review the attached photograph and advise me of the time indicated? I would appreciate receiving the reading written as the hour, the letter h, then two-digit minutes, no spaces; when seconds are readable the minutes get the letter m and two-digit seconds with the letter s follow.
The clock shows 1h19
